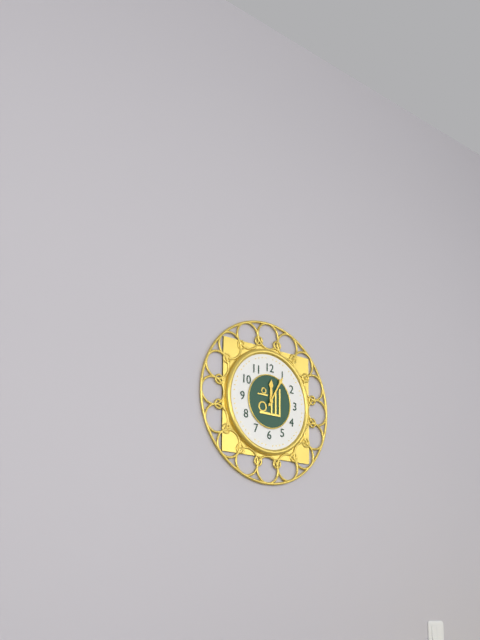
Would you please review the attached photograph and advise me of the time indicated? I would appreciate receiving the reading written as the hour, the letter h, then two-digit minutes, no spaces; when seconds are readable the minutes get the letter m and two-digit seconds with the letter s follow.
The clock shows 12h05
